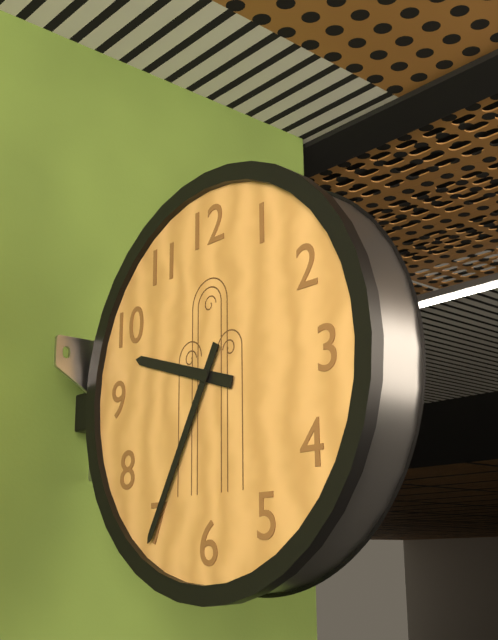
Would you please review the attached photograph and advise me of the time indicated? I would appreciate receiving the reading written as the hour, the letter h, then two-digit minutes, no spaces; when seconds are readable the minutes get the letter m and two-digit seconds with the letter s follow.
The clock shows 9h35
